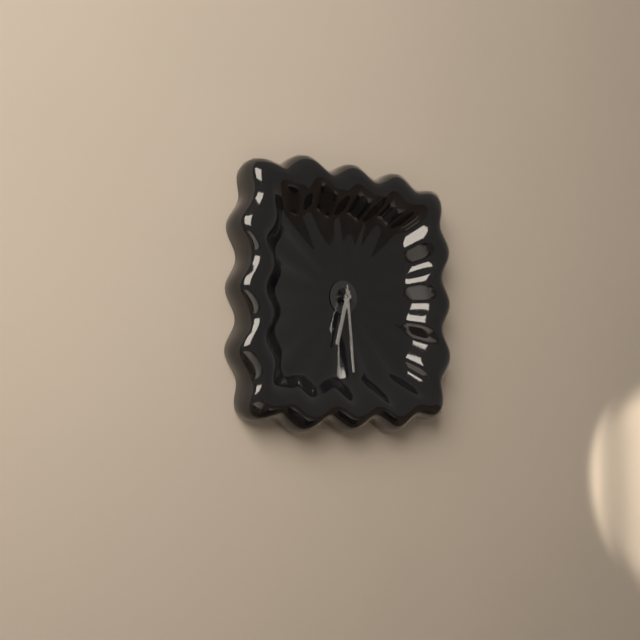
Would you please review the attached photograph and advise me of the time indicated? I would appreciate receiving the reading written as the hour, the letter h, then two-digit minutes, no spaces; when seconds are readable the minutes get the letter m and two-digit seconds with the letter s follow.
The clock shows 6h29m29s
